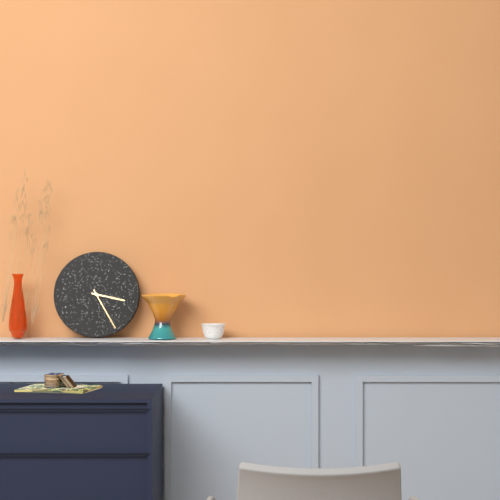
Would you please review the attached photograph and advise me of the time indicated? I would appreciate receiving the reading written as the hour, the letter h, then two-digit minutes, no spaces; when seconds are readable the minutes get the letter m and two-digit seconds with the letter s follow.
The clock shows 3h25
